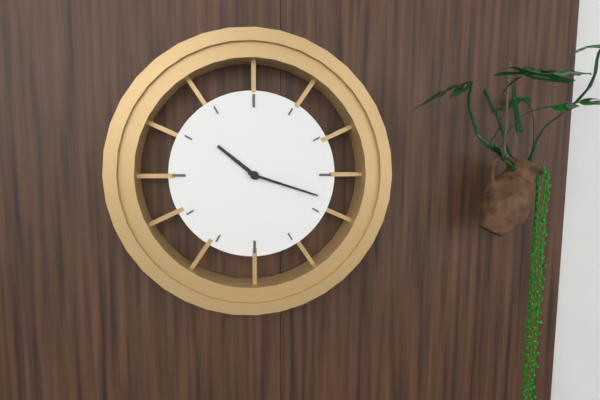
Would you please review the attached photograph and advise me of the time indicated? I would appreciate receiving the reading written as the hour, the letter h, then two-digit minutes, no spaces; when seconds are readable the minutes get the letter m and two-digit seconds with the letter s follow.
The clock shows 10h18
